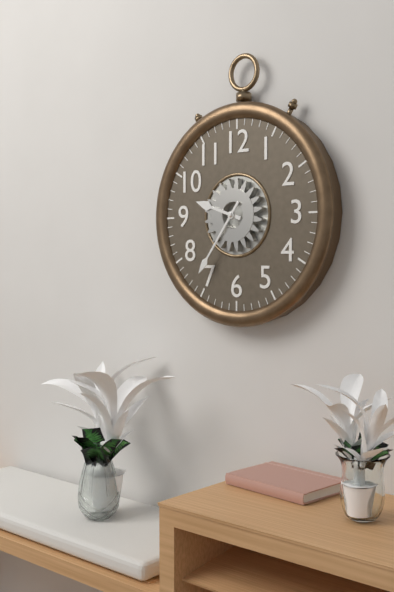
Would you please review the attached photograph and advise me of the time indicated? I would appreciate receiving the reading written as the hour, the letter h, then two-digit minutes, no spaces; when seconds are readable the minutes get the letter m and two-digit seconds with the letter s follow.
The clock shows 9h36
